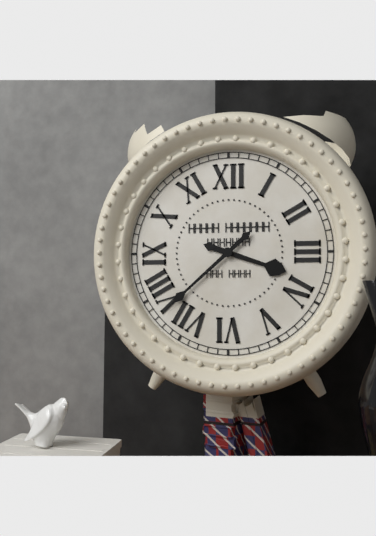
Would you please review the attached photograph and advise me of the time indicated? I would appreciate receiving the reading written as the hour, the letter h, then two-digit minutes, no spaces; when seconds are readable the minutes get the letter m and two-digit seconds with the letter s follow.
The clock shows 3h38
